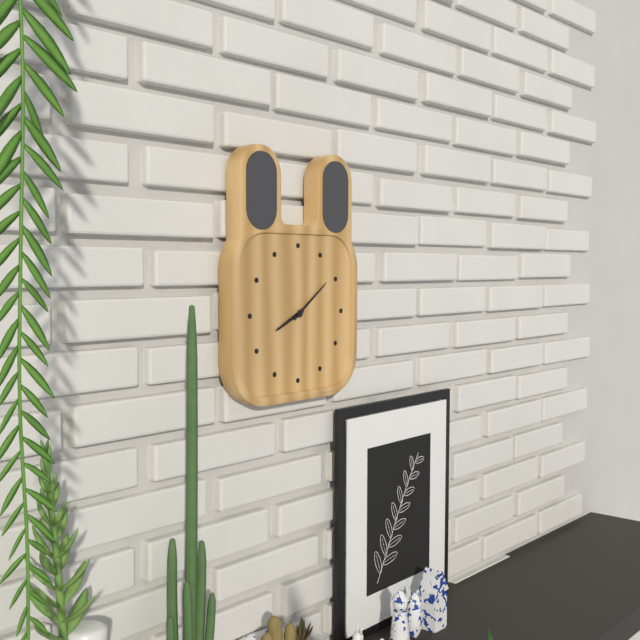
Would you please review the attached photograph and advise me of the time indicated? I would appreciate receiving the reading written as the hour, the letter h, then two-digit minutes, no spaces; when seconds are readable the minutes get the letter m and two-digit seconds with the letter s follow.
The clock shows 8h09
